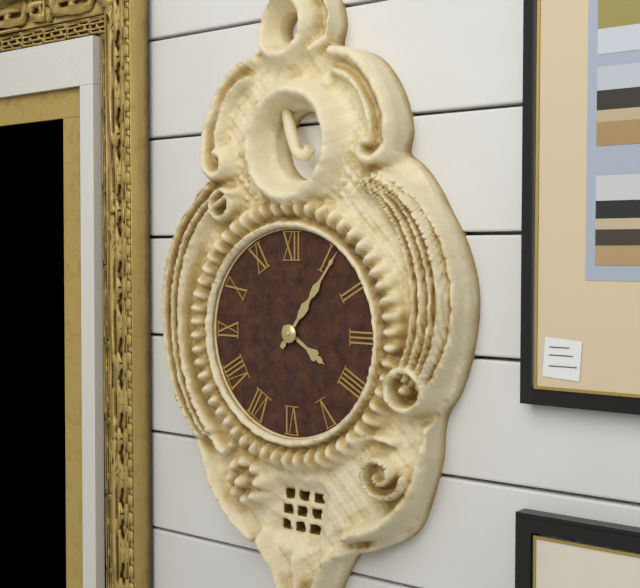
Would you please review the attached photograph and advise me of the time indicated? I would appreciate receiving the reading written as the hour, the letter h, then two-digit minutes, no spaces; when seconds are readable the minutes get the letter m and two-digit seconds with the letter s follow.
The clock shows 4h06
